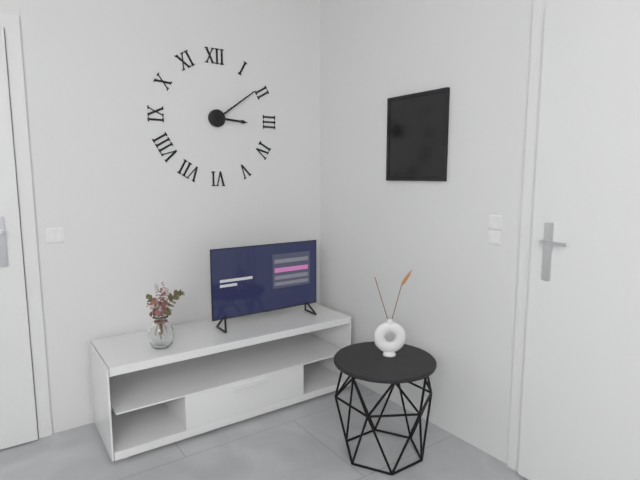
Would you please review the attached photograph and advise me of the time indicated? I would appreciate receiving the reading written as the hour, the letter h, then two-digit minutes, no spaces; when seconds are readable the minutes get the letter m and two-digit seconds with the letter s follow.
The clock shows 3h09
